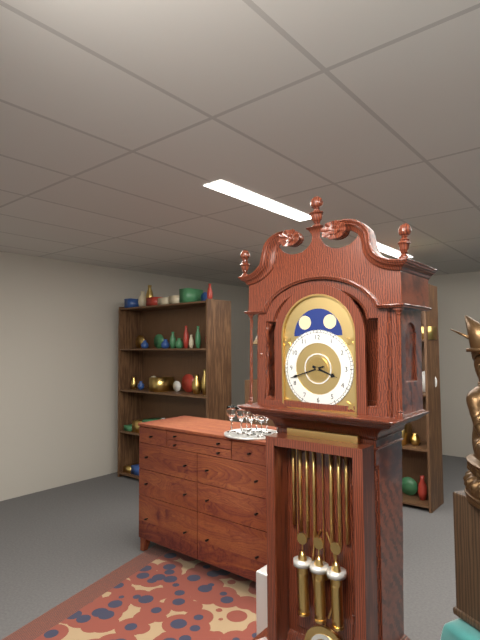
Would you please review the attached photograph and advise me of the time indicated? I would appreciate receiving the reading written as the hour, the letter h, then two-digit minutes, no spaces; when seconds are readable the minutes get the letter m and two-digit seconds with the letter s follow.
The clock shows 3h42
